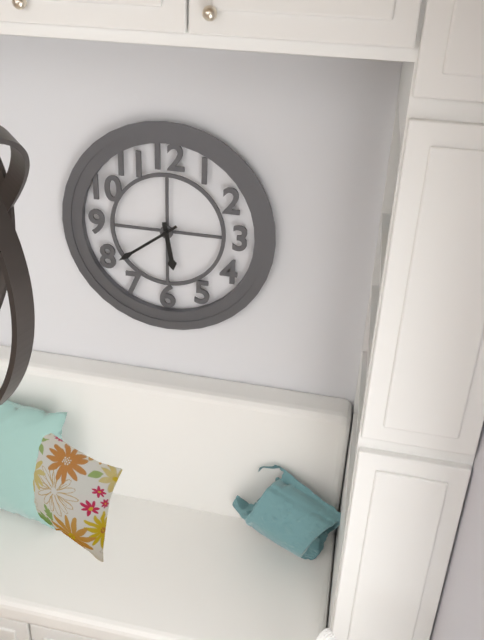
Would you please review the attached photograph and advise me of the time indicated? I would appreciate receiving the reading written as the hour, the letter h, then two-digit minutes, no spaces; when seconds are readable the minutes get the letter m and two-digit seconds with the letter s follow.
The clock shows 5h39
